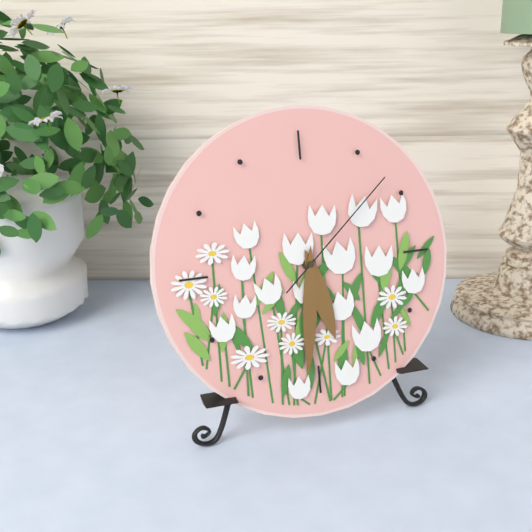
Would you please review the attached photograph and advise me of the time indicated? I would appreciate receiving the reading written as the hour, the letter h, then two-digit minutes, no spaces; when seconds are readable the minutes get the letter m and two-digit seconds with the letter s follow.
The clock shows 5h31m08s
